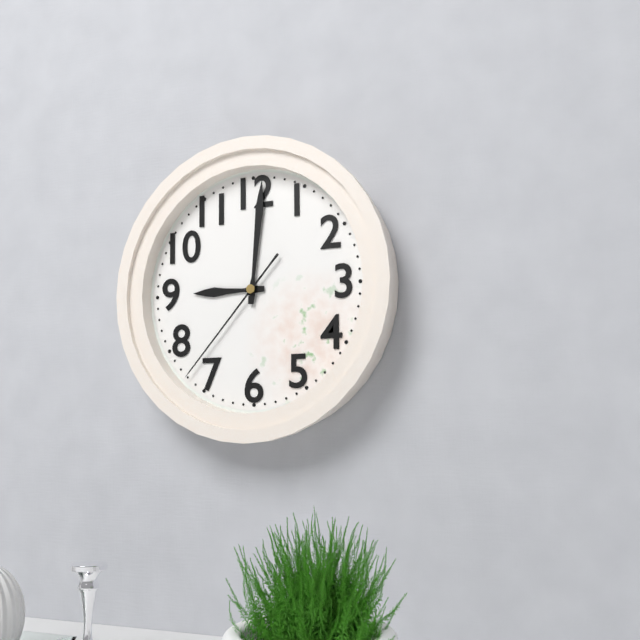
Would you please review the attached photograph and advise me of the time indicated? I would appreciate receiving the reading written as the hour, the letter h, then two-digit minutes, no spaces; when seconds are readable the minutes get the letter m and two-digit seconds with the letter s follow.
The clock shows 9h01m37s
